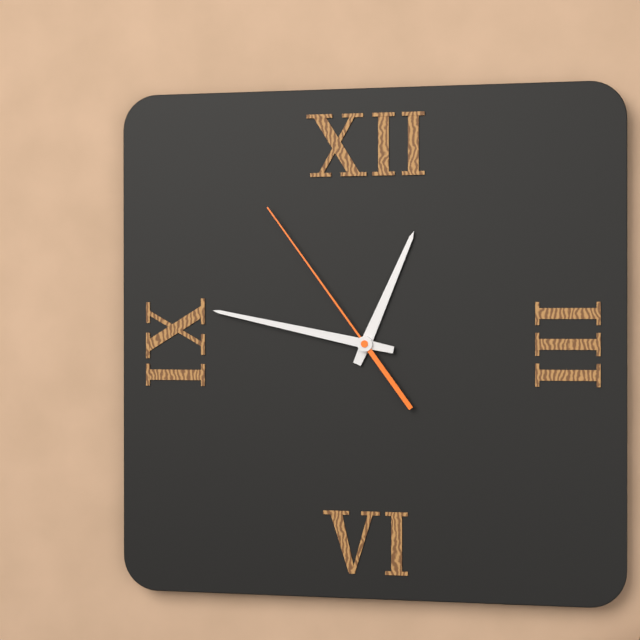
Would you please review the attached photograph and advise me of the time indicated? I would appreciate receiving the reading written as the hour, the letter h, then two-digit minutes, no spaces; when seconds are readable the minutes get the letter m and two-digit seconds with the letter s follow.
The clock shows 12h47m54s
